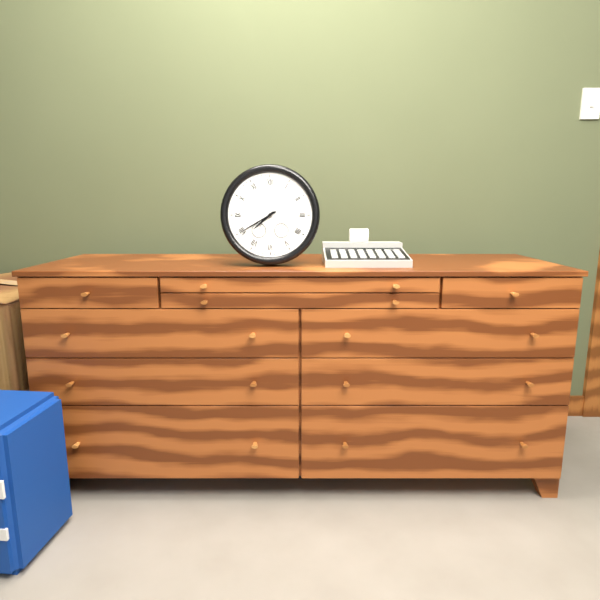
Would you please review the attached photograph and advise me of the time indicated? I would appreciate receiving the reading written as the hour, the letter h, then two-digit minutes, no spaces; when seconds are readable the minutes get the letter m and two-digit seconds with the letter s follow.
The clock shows 7h40
